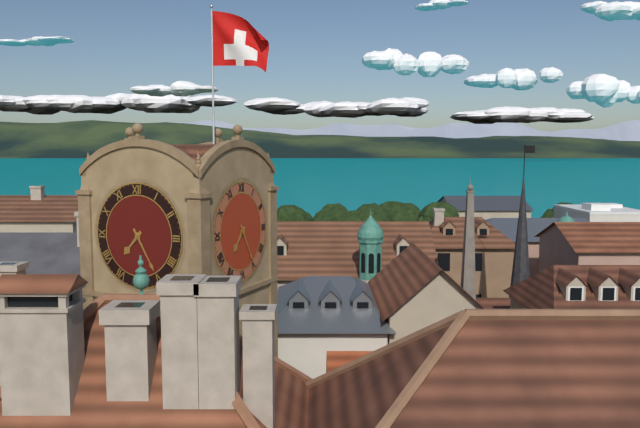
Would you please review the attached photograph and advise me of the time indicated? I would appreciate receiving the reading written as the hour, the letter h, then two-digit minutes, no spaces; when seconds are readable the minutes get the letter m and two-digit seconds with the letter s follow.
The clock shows 7h25
